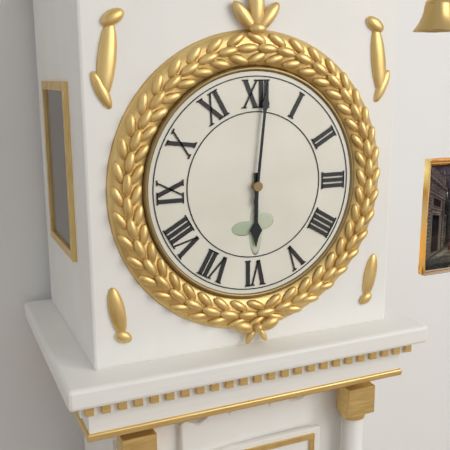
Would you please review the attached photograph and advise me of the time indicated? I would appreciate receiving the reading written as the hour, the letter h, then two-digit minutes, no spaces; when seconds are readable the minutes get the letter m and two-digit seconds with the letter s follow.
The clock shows 6h01
